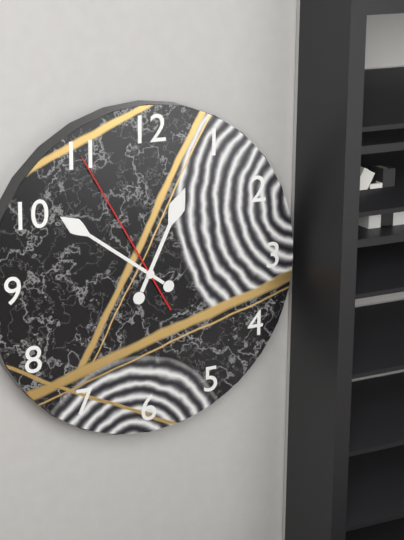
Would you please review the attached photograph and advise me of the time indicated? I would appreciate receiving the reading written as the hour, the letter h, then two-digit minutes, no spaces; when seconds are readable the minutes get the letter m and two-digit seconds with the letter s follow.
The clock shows 12h51m55s
